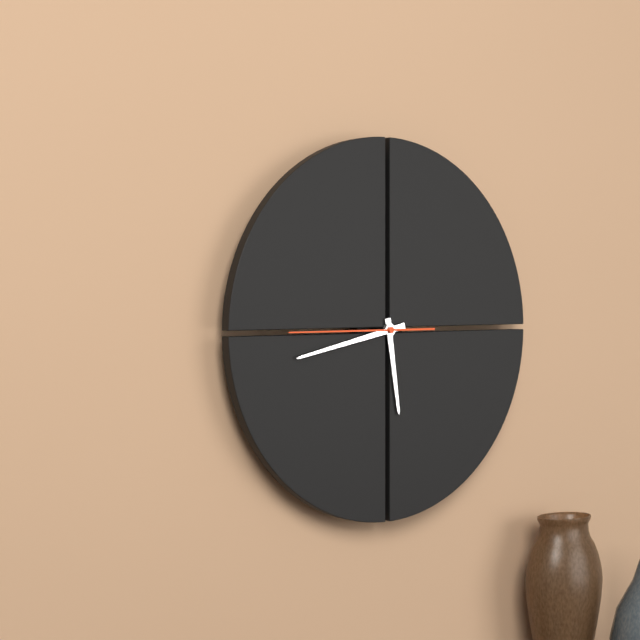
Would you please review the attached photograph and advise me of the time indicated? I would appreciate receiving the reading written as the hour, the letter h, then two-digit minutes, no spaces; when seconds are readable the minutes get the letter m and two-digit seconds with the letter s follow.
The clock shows 5h43m45s
